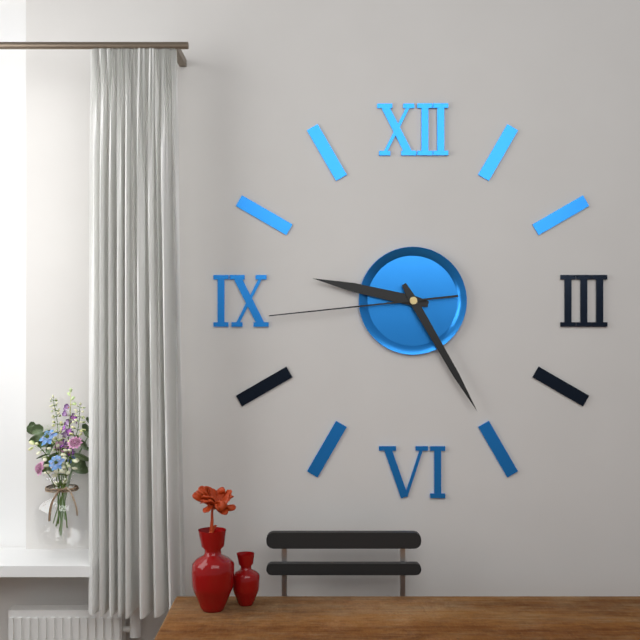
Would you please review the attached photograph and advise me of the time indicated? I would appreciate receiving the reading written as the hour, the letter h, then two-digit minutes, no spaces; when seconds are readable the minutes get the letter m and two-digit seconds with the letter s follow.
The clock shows 9h25m44s
